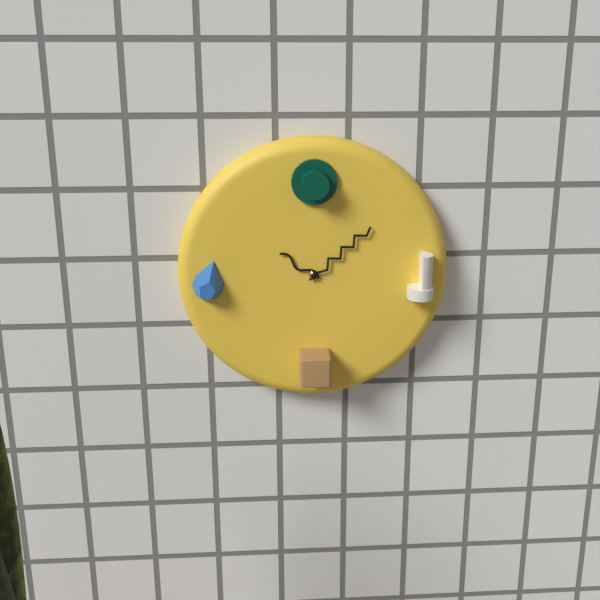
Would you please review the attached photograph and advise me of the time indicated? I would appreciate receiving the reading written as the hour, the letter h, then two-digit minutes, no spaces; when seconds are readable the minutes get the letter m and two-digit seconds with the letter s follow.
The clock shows 10h08
